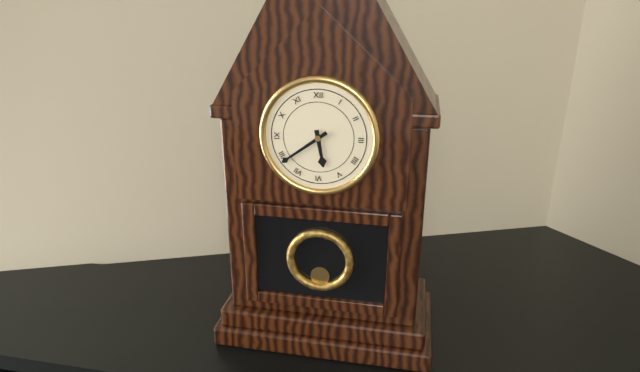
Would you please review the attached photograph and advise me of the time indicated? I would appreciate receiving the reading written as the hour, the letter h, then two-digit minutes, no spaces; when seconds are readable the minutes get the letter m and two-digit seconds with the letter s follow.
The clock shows 5h39
